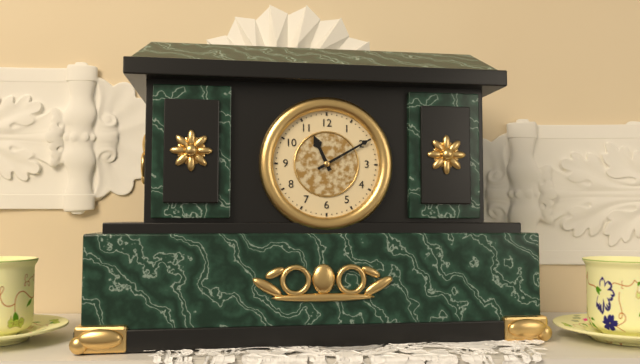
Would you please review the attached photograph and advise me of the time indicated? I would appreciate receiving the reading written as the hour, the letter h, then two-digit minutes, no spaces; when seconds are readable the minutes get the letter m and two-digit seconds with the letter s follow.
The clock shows 11h10
